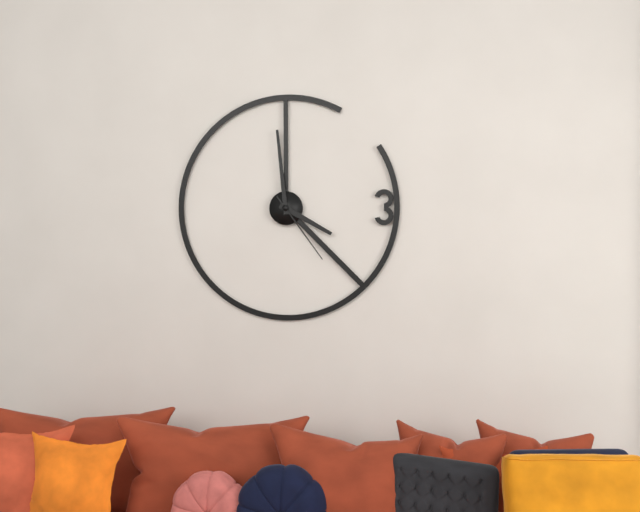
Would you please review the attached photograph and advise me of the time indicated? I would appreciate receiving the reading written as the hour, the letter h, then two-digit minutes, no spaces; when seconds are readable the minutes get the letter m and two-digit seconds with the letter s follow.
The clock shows 3h59m24s
